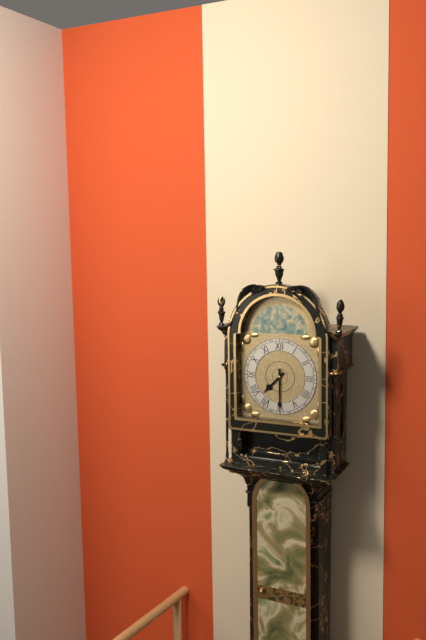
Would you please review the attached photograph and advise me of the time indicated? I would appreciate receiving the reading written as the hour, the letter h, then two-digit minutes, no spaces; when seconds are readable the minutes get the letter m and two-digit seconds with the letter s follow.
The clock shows 7h30
